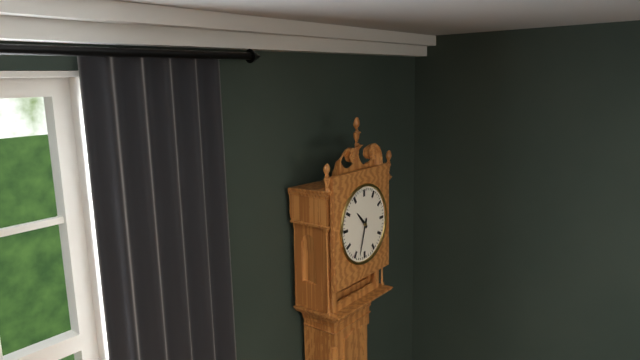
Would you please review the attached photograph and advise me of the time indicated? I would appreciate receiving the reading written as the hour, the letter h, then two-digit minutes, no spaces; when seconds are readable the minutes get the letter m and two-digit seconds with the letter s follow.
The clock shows 10h33
